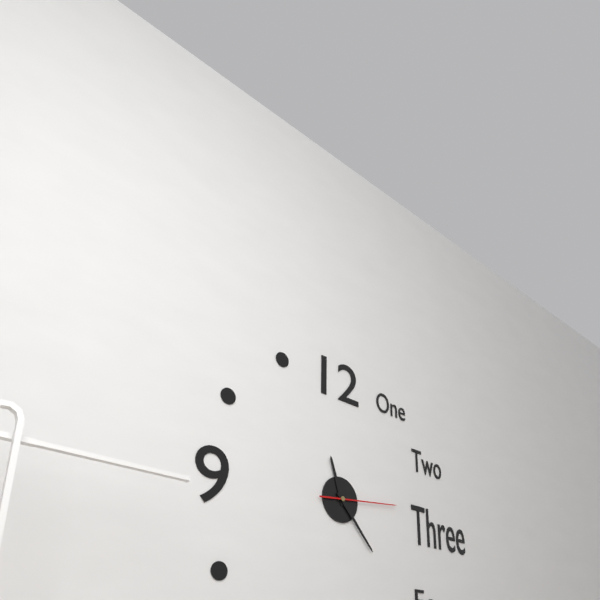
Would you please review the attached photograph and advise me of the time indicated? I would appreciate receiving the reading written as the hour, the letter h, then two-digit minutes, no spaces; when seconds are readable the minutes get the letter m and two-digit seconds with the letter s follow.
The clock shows 11h23m14s
